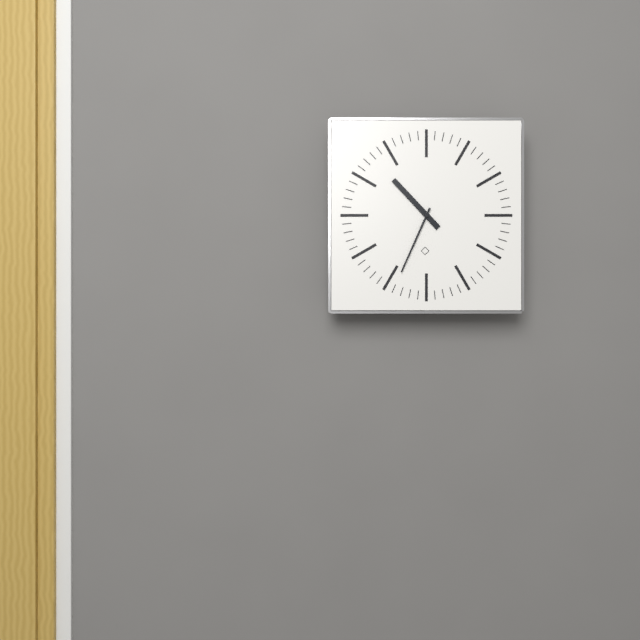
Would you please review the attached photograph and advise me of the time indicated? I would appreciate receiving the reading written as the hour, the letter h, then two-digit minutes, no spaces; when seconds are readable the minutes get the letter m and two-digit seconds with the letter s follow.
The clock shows 10h34
